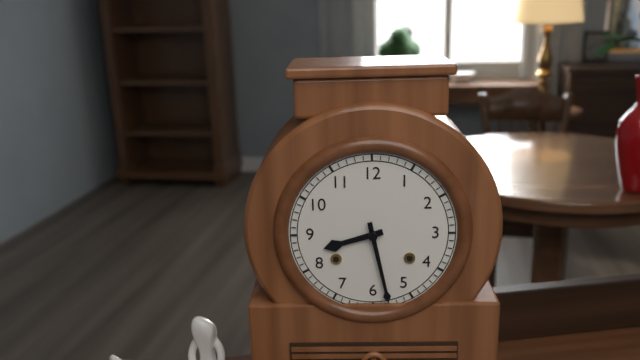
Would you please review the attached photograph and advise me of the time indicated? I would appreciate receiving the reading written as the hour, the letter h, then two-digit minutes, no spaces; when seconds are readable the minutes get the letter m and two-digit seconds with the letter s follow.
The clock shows 8h28
